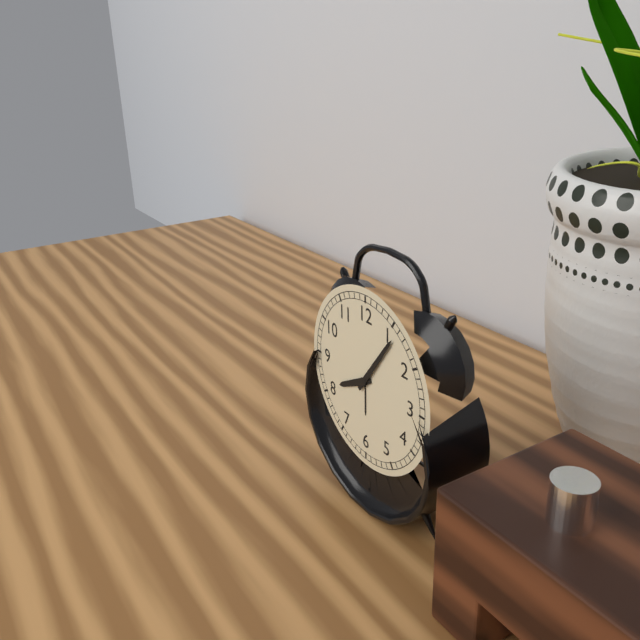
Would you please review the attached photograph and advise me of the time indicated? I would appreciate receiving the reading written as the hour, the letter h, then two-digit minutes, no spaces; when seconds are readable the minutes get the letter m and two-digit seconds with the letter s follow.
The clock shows 8h06
